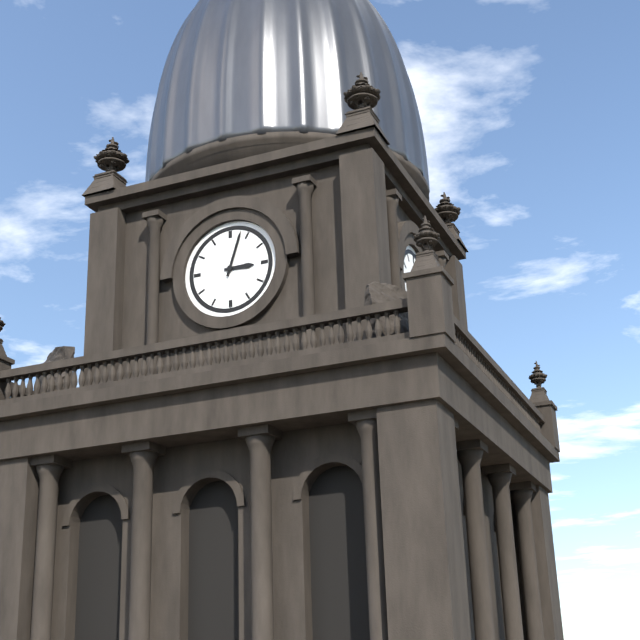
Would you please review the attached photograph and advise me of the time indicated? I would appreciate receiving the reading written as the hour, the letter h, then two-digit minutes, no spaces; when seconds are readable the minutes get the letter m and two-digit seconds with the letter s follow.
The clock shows 3h03
